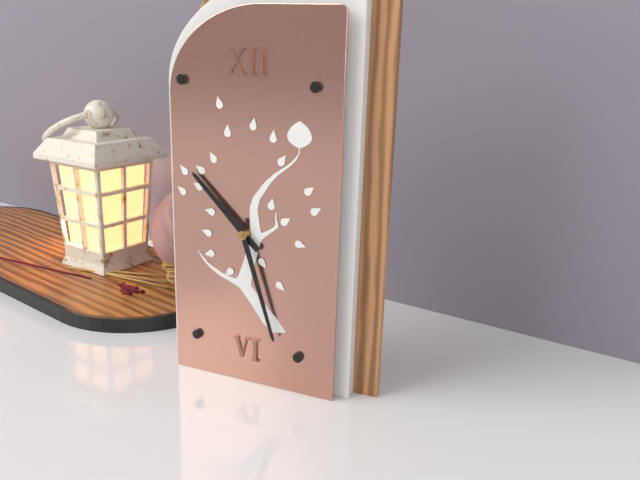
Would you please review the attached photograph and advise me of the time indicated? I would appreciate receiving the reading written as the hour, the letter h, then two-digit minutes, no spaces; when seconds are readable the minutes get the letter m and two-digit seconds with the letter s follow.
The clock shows 10h27
